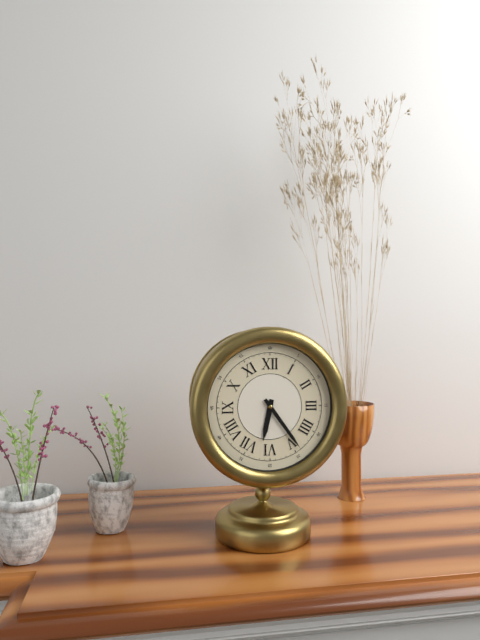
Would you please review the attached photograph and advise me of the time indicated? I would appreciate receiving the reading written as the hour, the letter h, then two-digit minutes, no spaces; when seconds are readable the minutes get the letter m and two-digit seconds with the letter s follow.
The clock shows 6h24
